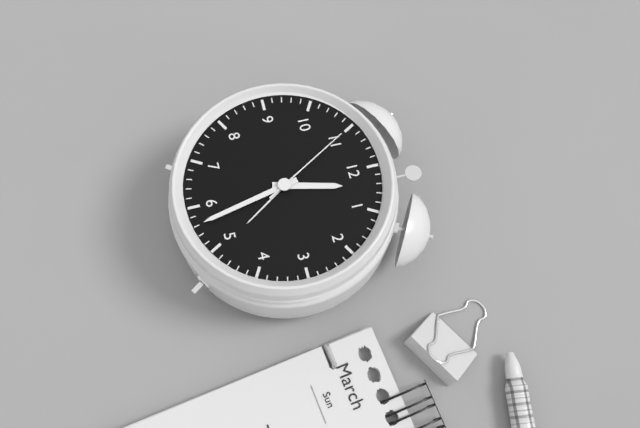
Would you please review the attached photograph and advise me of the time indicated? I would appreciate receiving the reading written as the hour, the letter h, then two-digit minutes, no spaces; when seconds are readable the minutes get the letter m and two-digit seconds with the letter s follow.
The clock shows 12h28m55s
